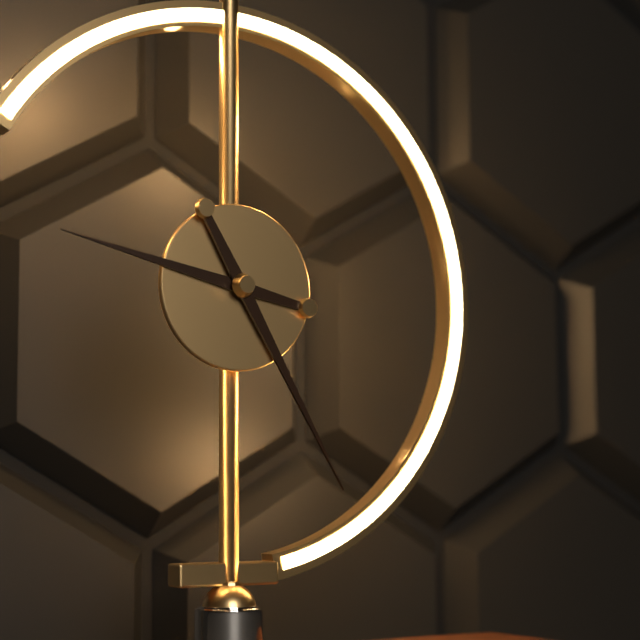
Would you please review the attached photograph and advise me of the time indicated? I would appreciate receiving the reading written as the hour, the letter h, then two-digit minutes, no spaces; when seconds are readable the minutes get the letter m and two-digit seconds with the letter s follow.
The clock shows 9h25
